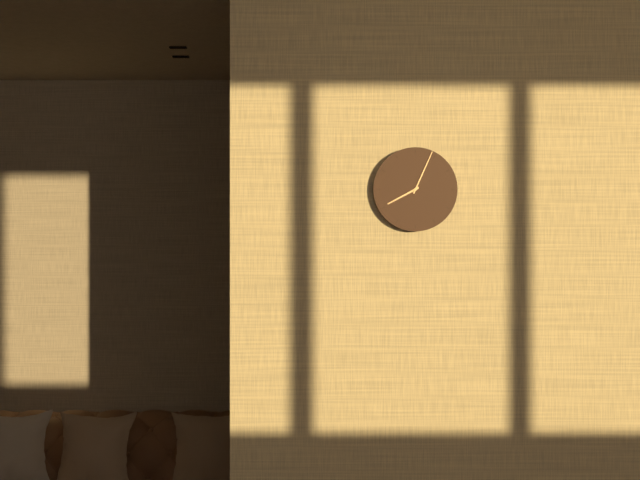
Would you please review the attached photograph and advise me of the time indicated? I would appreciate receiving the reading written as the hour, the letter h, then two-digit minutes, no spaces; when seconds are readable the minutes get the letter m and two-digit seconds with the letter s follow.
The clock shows 8h04
